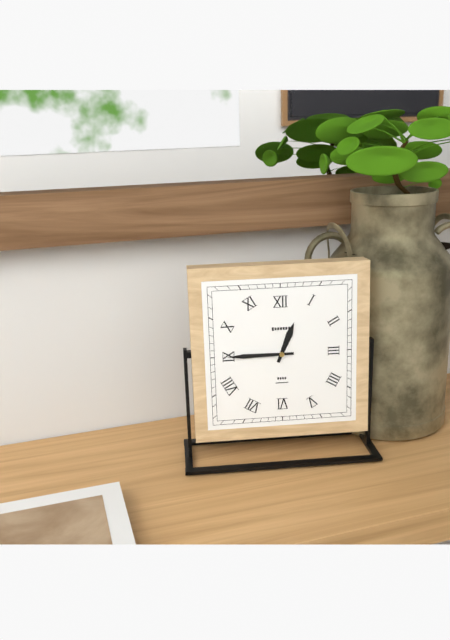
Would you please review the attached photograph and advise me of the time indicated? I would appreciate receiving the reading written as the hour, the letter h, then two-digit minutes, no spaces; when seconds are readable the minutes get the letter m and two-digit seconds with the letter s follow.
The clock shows 12h45
